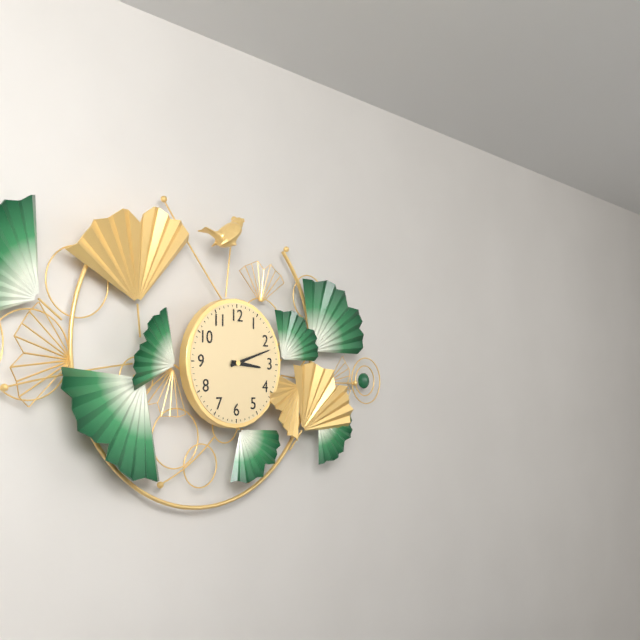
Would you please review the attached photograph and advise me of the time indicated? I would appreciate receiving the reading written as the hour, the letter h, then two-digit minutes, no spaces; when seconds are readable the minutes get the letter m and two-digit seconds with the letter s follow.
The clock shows 3h12
